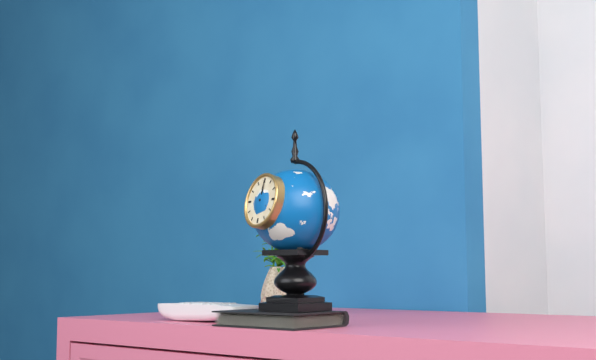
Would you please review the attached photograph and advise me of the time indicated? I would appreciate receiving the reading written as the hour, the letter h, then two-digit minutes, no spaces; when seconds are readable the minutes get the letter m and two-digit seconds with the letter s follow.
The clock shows 4h00
